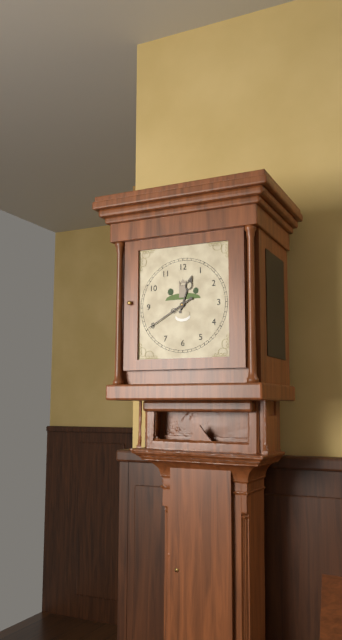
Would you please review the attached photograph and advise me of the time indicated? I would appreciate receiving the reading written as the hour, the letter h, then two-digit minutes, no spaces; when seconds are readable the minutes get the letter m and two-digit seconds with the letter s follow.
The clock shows 12h40
